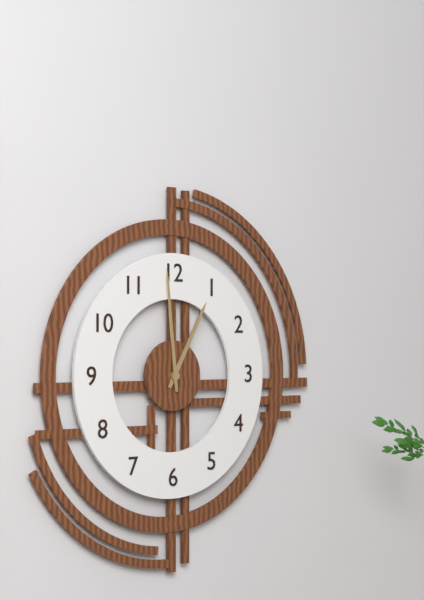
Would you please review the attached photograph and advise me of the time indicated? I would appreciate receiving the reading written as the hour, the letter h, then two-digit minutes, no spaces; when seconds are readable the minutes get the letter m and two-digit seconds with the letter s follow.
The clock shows 12h59
